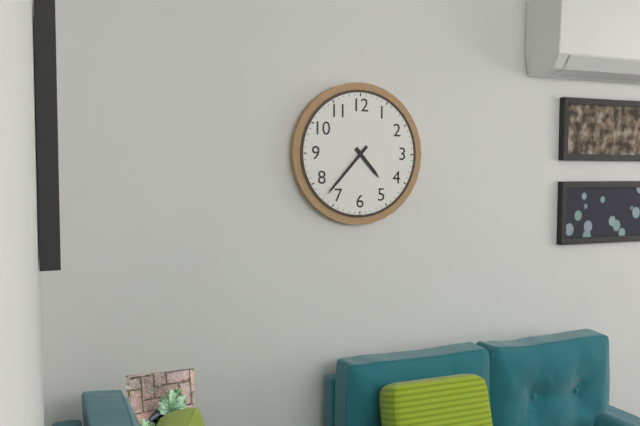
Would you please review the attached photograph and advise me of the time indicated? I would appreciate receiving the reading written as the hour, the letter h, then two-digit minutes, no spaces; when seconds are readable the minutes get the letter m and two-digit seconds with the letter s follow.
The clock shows 4h37
